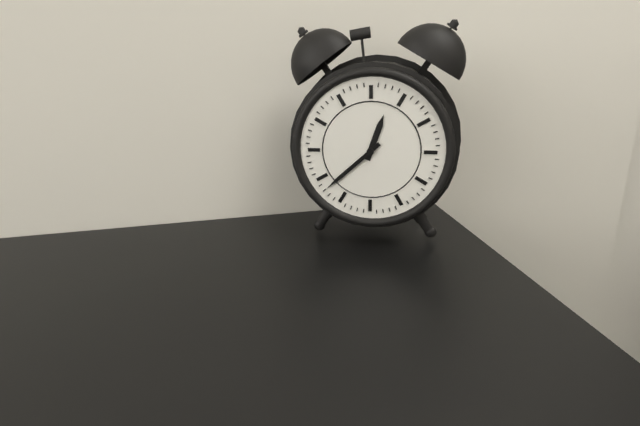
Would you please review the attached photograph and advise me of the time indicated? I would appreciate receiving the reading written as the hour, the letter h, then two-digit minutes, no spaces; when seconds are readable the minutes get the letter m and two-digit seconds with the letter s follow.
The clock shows 12h38
